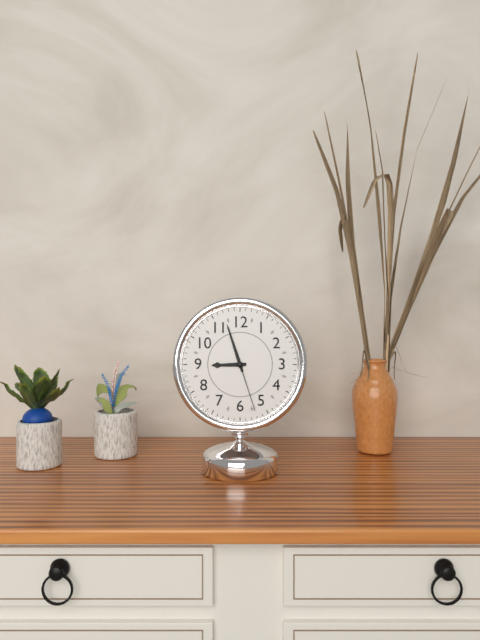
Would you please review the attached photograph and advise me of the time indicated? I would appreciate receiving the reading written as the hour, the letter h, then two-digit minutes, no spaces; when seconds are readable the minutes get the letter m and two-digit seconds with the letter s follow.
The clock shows 8h57m27s
